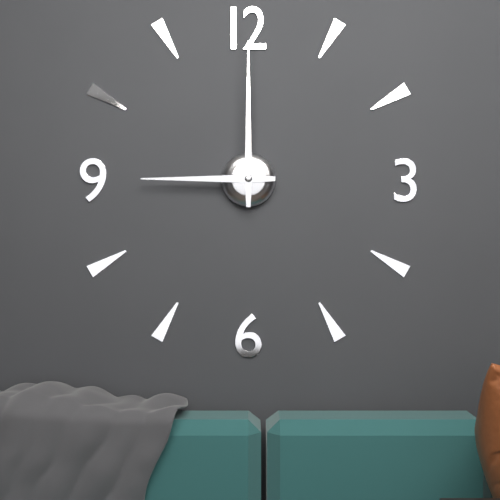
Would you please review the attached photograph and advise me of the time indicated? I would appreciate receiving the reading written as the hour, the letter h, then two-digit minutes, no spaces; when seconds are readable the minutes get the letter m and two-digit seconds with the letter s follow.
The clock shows 9h00
